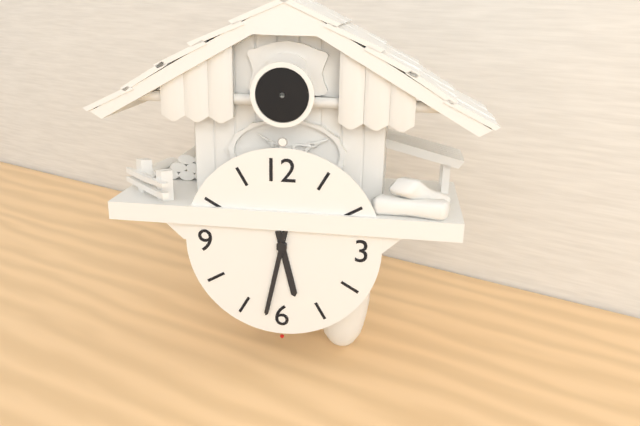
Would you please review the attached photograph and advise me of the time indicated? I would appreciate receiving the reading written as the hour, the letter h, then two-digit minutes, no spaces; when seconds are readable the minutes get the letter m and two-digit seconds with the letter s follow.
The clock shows 5h32
